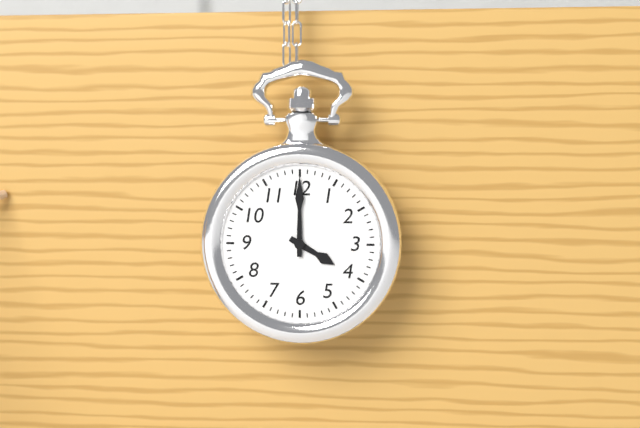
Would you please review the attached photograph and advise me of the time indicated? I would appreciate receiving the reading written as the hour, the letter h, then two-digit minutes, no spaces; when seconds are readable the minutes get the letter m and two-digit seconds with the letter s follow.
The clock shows 4h00
